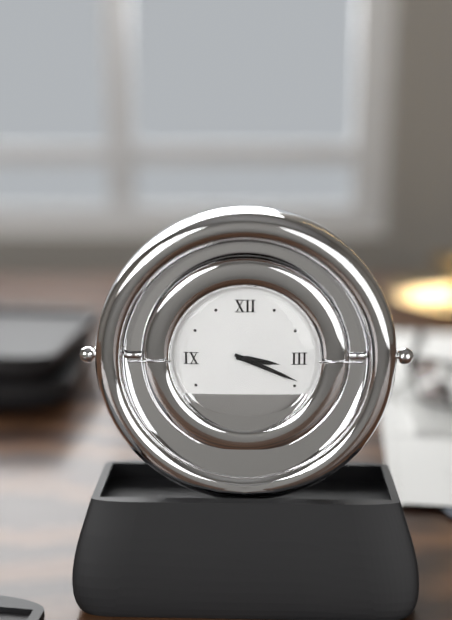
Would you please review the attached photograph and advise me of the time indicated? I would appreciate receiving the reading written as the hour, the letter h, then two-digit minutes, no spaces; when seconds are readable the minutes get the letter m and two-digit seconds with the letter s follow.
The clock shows 3h19
